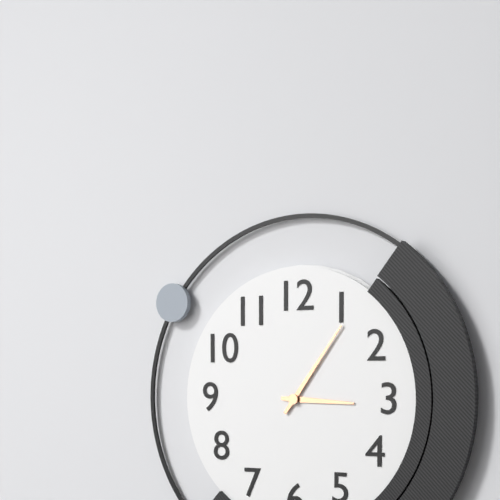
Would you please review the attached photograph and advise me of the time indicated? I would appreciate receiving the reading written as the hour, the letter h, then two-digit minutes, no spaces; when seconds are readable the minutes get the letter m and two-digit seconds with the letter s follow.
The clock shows 3h06
